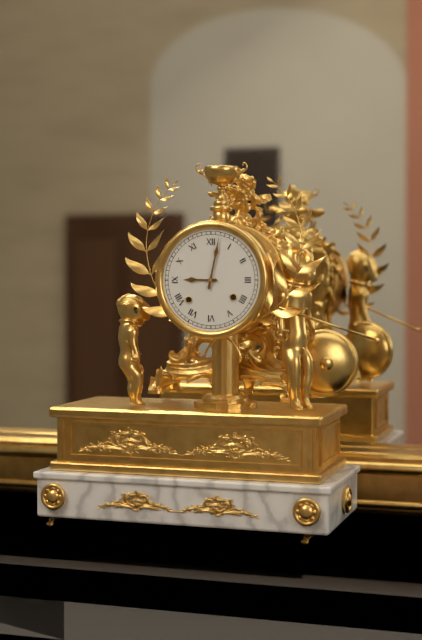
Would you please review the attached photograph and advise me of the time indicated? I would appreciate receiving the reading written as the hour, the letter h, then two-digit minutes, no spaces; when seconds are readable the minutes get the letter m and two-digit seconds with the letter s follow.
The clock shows 9h02
